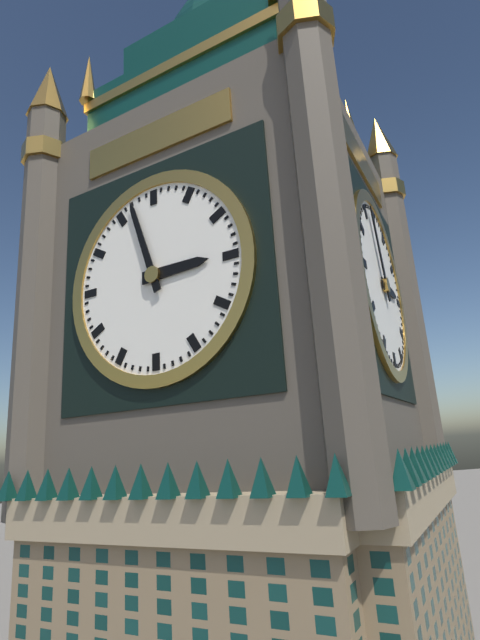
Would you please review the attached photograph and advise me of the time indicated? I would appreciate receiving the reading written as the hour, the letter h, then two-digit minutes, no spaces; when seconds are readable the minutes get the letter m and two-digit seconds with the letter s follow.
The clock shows 2h57
